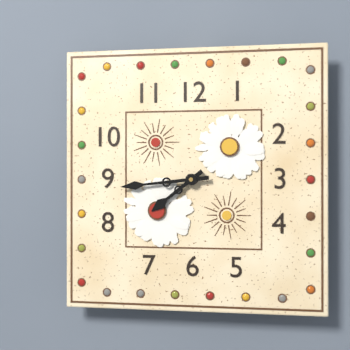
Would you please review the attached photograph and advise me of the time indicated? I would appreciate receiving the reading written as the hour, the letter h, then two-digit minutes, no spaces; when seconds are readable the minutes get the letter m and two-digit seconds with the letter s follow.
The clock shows 7h44
